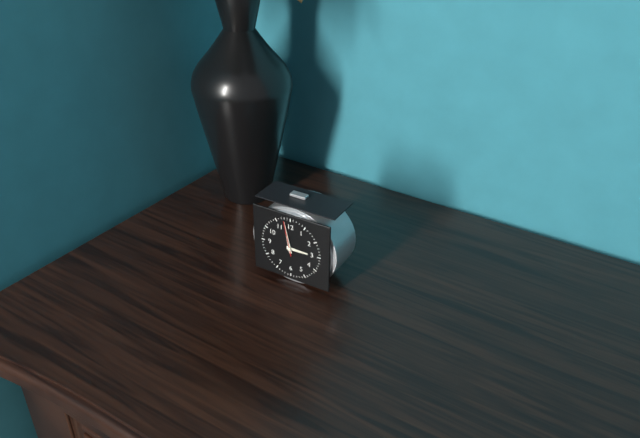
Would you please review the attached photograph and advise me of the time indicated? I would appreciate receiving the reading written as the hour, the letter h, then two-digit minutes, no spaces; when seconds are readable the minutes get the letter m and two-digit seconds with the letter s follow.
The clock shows 2h58
